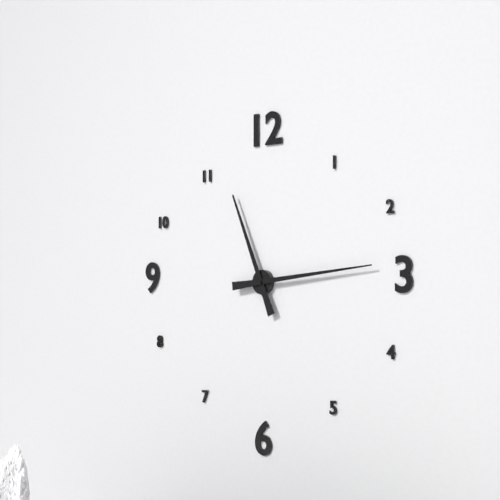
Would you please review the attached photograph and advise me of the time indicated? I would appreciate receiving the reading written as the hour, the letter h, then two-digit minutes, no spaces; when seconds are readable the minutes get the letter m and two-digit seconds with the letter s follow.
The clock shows 11h14
